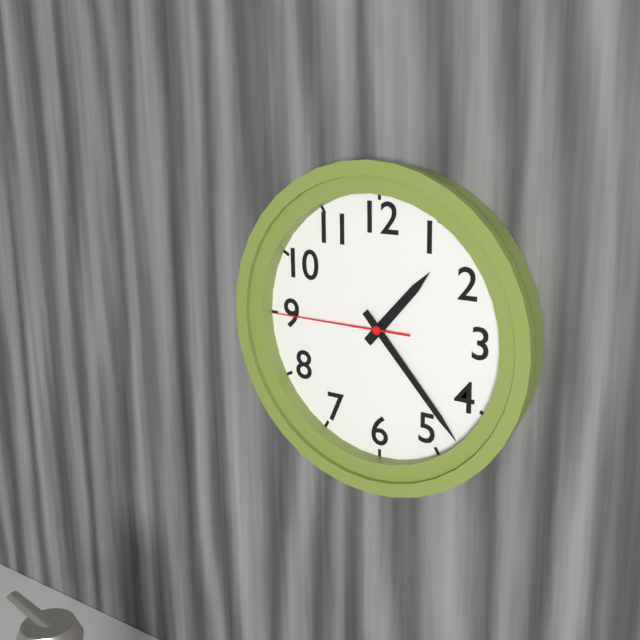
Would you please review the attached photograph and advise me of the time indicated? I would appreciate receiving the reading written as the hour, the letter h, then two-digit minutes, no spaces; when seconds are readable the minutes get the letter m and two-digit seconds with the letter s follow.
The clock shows 1h23m45s
